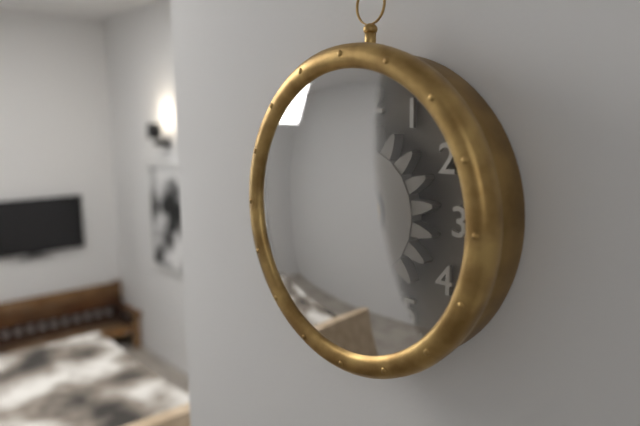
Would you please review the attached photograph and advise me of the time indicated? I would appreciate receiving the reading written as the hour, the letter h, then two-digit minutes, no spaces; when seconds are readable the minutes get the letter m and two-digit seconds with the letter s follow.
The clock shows 5h56
